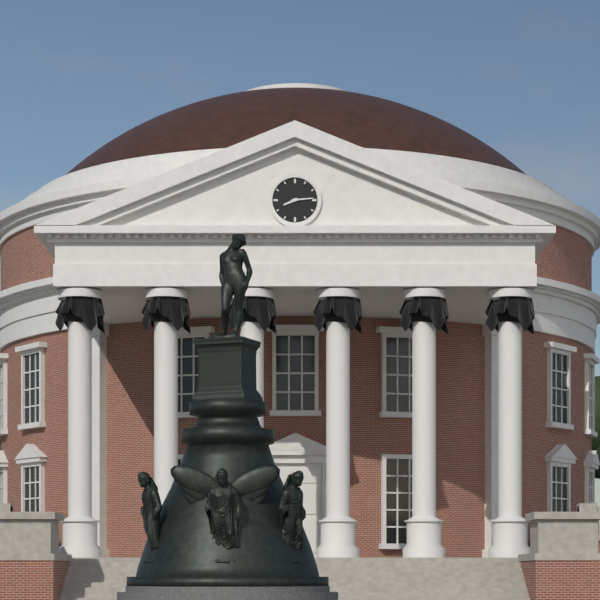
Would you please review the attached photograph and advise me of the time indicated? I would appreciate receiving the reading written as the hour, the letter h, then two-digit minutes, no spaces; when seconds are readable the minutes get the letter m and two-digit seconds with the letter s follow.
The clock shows 8h14
